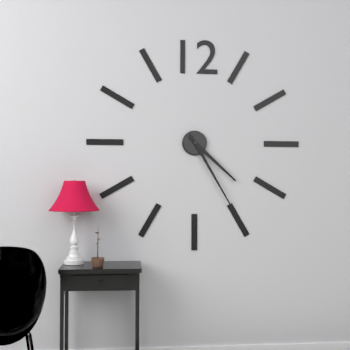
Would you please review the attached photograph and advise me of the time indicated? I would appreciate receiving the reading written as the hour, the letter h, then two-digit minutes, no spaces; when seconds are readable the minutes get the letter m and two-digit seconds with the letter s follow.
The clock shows 4h25
